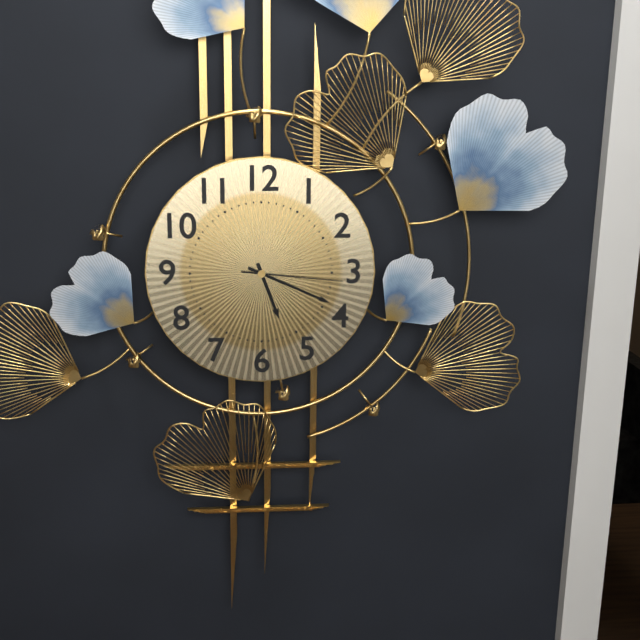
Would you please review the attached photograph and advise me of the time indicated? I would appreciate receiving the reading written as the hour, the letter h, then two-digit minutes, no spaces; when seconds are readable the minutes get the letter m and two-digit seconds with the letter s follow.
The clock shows 5h19m16s
